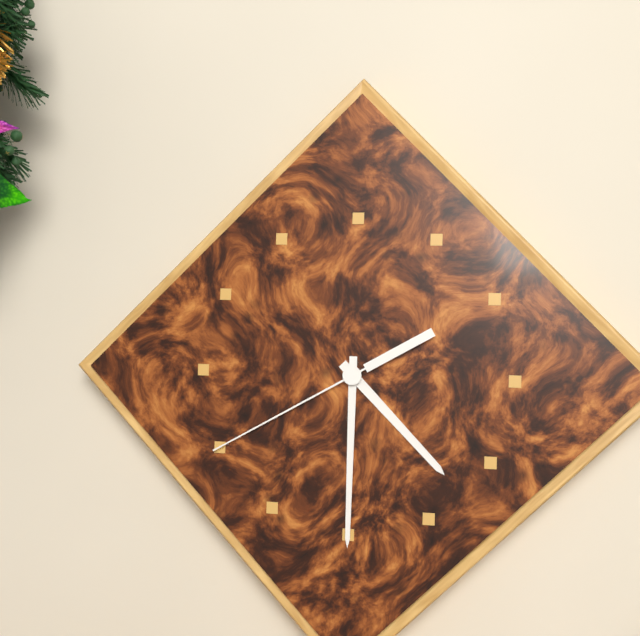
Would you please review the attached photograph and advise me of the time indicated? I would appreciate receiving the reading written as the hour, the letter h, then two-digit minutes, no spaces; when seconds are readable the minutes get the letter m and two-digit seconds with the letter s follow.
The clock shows 4h30m40s
